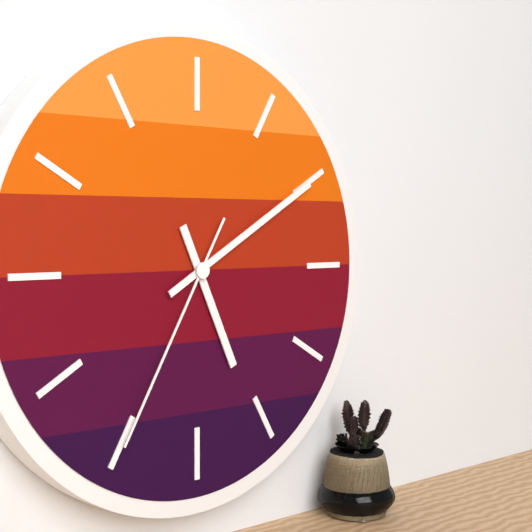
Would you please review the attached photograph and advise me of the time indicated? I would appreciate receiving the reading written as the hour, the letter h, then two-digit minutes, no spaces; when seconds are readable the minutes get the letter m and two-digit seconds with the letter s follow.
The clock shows 5h10m35s
